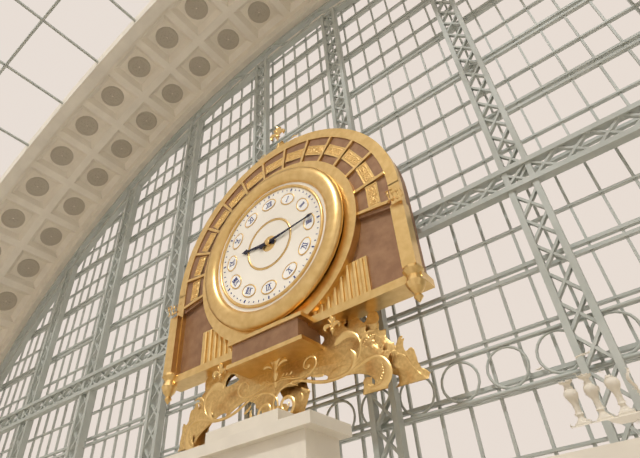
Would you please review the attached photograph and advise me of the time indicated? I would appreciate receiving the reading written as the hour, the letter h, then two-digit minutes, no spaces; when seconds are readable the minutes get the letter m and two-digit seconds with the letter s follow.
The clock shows 9h14
